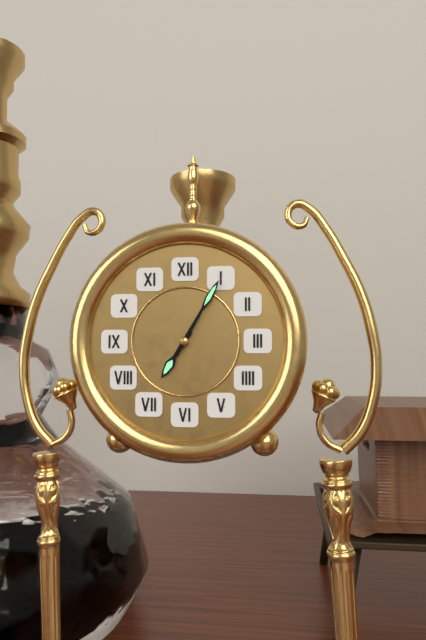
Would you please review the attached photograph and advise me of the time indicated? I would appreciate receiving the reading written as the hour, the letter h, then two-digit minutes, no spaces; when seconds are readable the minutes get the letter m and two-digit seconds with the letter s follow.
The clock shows 7h05
